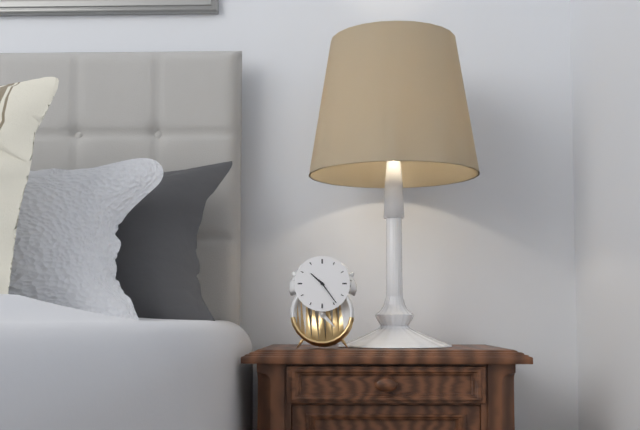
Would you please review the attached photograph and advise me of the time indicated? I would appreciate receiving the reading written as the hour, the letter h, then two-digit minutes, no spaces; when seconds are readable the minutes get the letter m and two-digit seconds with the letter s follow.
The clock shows 10h24
